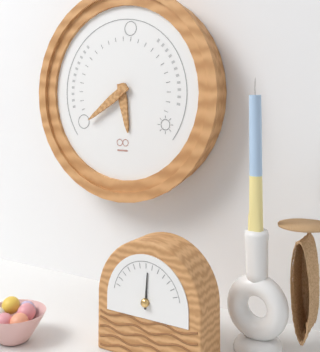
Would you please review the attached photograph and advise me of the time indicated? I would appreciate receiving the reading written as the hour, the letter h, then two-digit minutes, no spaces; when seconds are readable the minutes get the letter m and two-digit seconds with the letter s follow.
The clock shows 5h39
